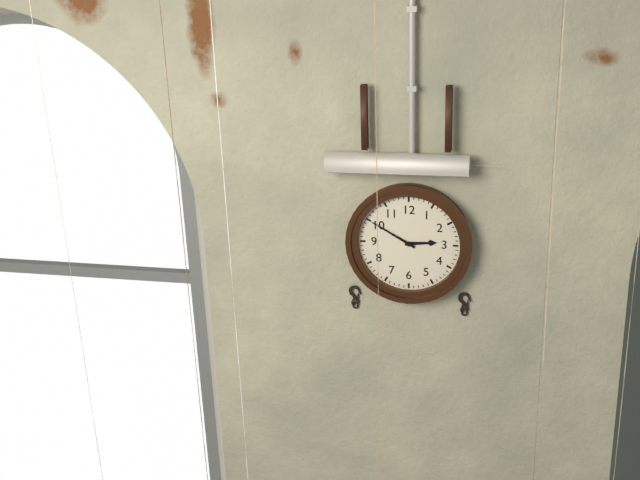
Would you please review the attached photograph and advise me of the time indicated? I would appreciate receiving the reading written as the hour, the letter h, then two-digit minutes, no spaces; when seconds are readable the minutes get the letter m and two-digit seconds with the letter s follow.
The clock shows 2h50
